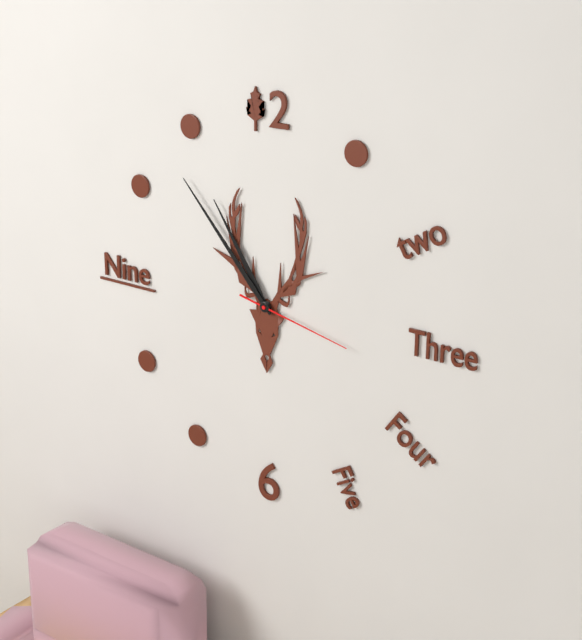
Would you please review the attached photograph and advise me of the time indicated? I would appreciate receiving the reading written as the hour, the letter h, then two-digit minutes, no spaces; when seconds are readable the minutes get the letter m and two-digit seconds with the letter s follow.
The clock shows 10h53m17s
